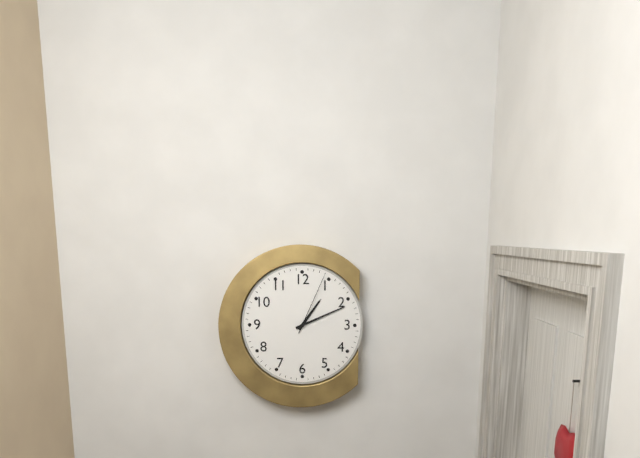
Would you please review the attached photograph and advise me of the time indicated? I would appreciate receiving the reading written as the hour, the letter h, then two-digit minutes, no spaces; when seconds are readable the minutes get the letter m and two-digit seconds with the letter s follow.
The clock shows 1h11m04s
